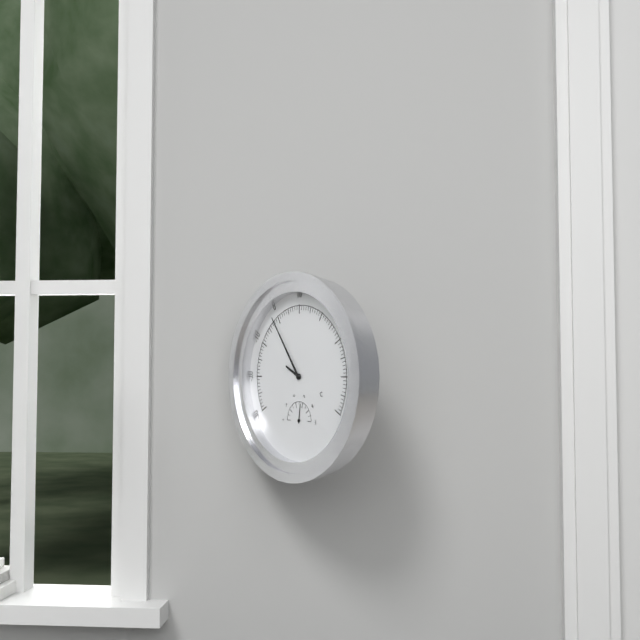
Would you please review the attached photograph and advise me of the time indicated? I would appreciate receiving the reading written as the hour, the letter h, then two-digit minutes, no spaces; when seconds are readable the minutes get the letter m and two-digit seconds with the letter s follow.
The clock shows 9h54
